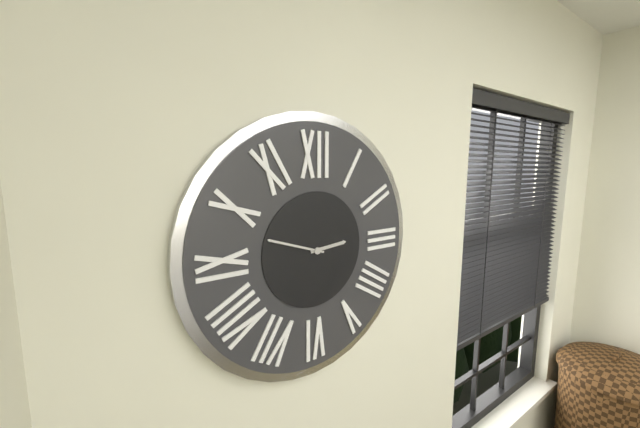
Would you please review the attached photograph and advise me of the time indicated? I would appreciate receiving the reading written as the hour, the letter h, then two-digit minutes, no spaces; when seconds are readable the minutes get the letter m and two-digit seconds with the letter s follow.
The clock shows 2h48
